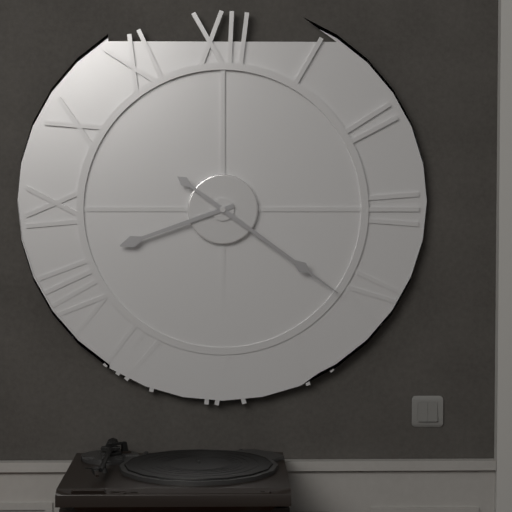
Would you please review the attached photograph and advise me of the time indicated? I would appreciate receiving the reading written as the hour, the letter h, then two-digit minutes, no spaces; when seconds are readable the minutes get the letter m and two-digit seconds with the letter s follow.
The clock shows 8h21
